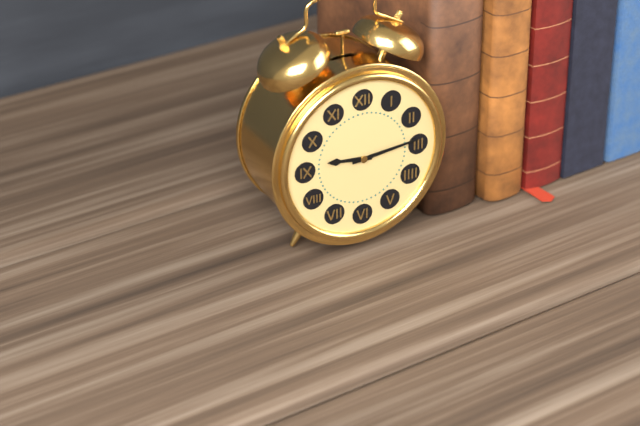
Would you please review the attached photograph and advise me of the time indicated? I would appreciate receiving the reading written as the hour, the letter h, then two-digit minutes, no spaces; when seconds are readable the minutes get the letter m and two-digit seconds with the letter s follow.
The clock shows 9h14
